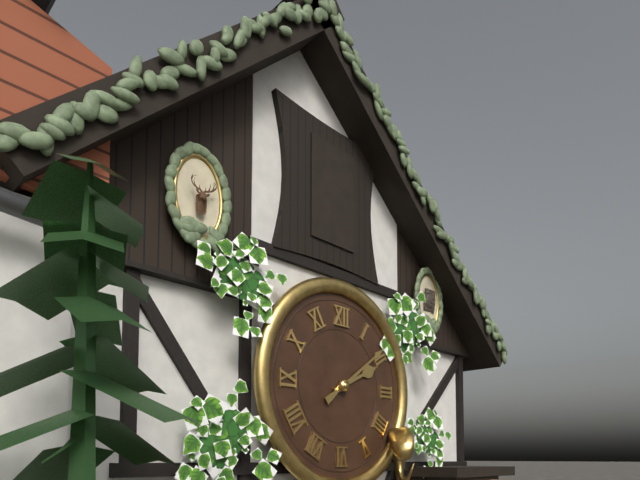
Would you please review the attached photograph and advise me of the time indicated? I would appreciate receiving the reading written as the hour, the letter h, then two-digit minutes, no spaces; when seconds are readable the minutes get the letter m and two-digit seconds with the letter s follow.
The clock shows 2h09
